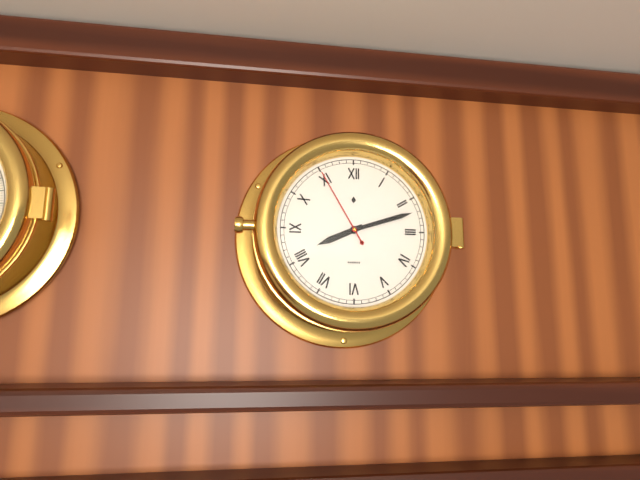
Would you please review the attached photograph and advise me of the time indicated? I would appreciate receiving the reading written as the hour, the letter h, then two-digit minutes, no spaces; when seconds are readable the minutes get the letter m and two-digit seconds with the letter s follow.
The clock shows 8h12m55s
